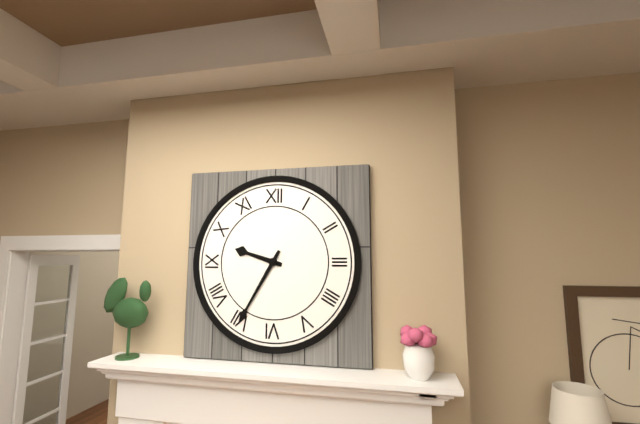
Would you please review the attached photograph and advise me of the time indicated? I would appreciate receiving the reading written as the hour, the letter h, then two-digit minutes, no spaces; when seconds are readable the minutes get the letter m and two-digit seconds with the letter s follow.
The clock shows 9h35
